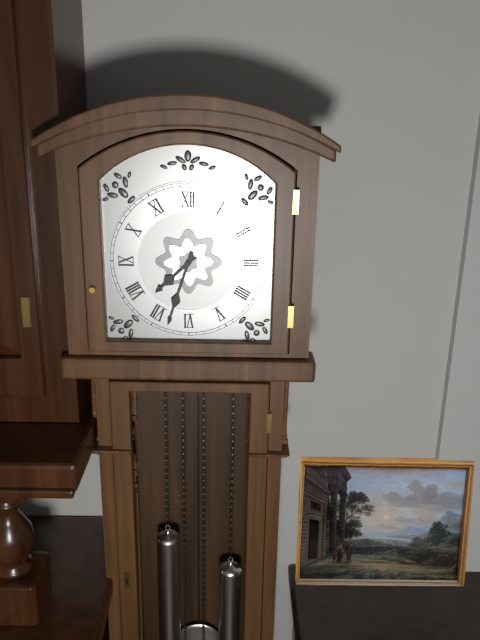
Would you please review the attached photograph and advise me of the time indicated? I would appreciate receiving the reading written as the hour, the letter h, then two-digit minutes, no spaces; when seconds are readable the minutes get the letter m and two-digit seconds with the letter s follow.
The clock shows 7h33
